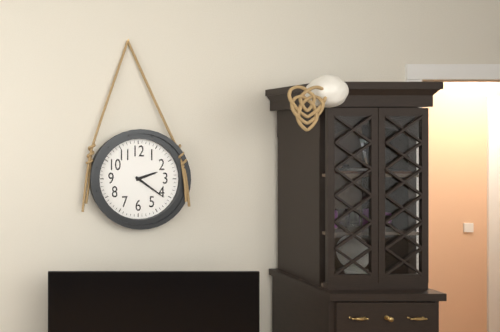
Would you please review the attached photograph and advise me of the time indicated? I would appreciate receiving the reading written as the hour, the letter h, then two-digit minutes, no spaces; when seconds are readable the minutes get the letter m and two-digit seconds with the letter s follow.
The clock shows 2h21
